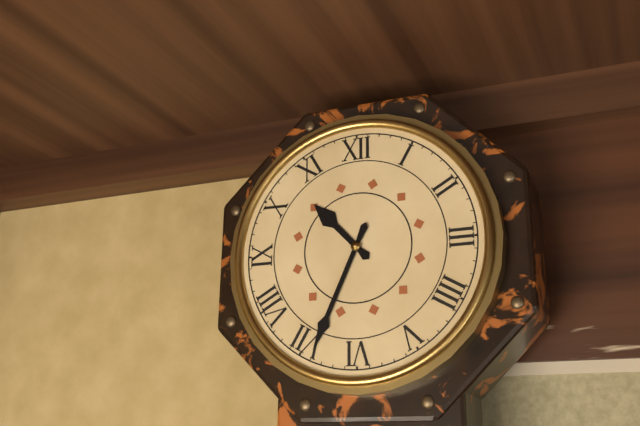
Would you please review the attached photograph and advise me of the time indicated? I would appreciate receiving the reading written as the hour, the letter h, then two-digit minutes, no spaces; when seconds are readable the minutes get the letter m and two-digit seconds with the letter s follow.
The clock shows 10h34
